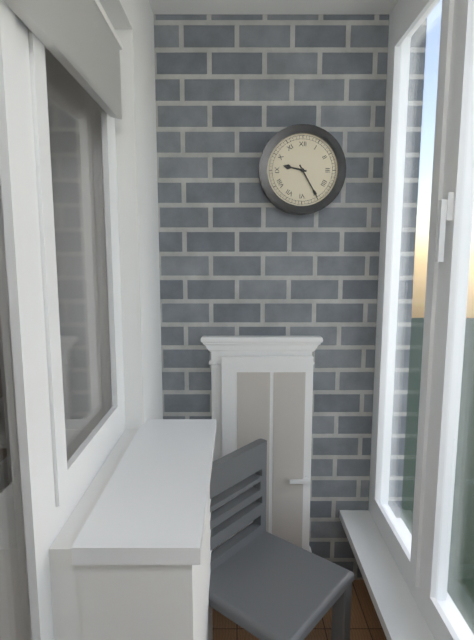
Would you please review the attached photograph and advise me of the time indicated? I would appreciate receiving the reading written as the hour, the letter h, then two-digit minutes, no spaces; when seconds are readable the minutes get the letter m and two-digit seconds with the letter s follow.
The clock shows 9h25
